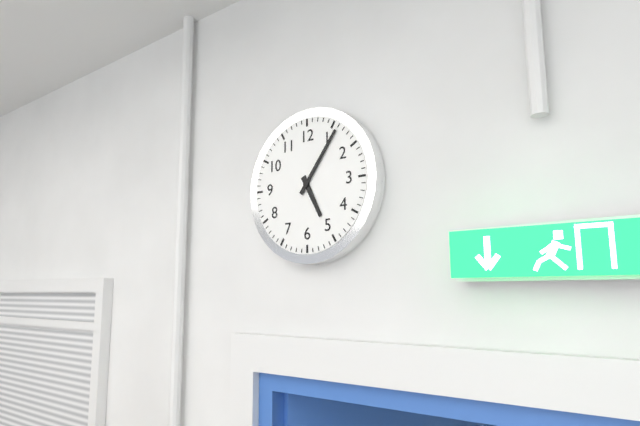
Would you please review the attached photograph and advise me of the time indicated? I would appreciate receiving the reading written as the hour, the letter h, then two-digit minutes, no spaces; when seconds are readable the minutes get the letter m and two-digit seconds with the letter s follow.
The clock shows 5h06
